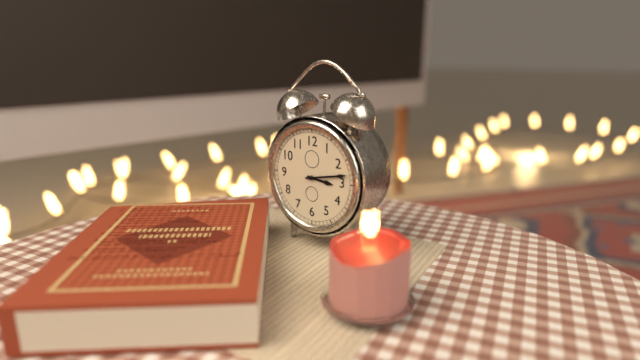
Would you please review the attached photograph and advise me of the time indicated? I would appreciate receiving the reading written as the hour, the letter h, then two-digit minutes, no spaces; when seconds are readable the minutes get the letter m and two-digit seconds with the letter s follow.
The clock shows 3h13
